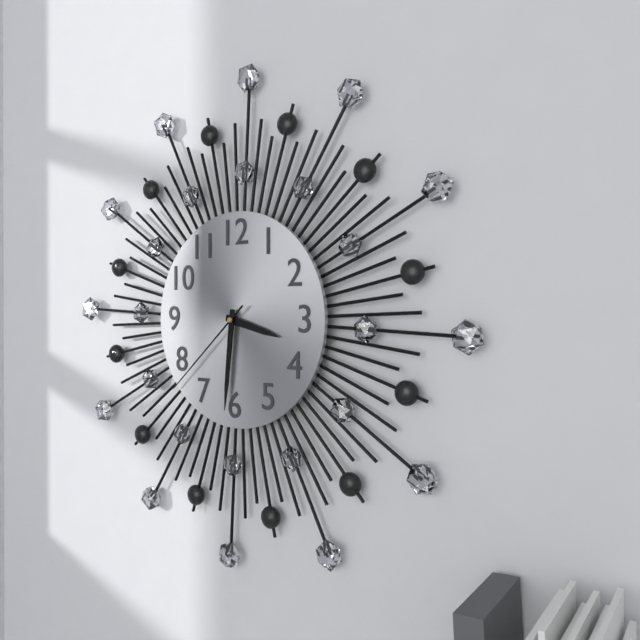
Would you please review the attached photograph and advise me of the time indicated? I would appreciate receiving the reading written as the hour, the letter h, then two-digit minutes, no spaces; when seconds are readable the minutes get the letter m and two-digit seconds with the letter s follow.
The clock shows 3h31m38s
